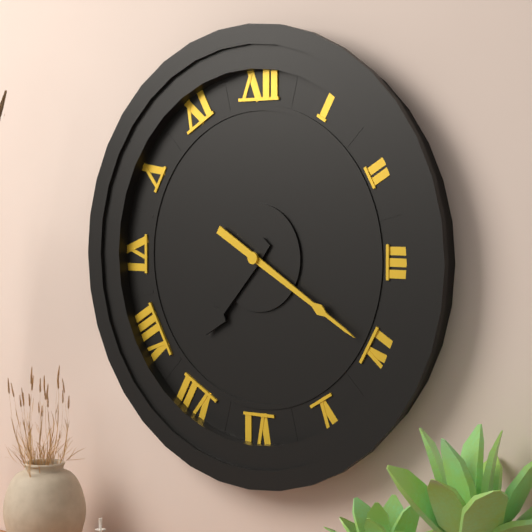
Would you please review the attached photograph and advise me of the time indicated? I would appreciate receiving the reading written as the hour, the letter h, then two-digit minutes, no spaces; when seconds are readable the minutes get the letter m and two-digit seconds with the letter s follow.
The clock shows 7h20
